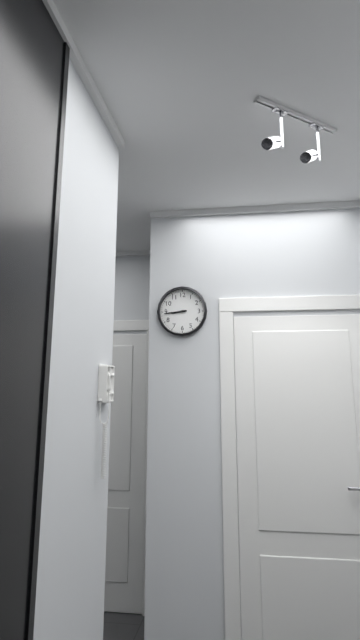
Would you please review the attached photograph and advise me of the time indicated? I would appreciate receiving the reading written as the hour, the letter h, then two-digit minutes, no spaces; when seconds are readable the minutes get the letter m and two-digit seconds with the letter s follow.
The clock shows 8h44
